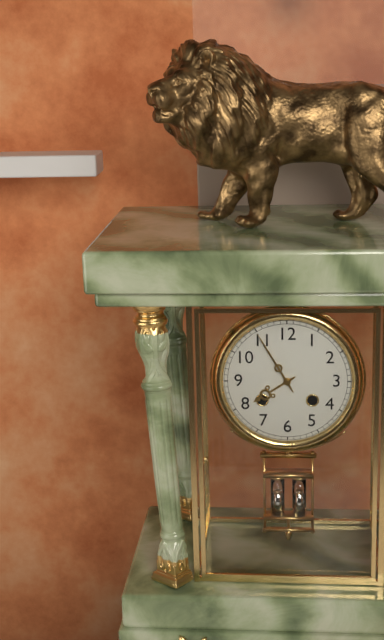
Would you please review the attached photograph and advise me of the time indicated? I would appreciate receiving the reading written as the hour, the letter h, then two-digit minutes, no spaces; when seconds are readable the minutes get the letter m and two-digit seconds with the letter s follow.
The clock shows 7h55
